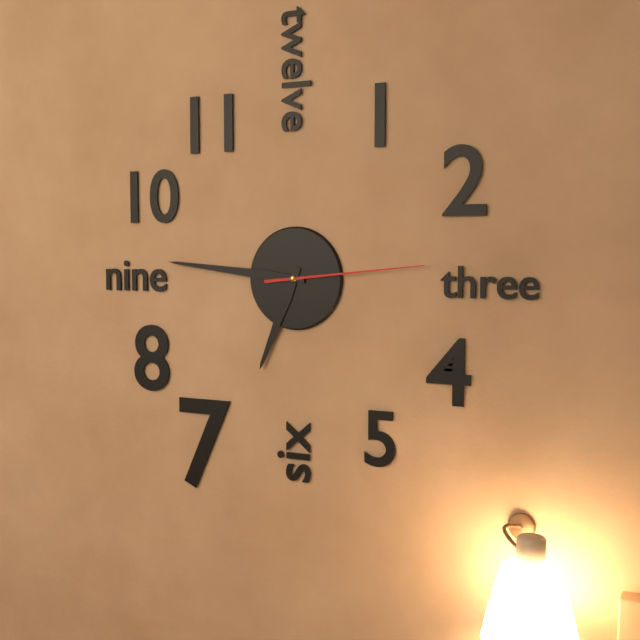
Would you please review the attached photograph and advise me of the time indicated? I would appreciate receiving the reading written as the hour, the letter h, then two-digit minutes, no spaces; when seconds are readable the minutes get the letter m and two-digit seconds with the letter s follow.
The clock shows 6h46m14s
